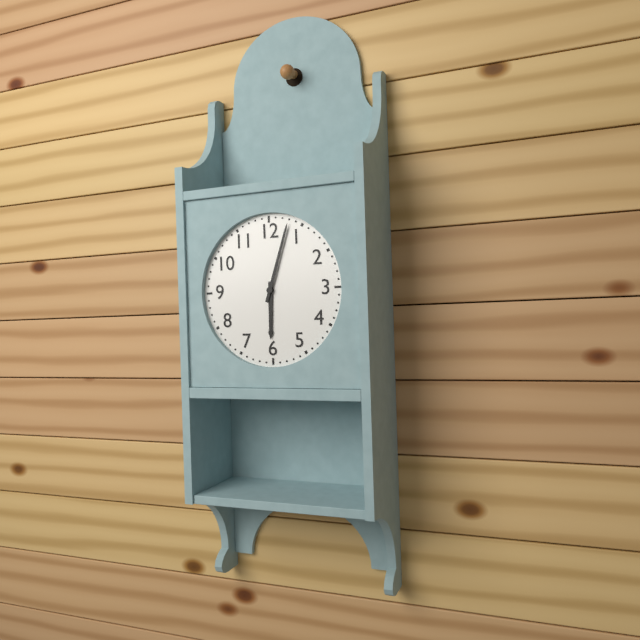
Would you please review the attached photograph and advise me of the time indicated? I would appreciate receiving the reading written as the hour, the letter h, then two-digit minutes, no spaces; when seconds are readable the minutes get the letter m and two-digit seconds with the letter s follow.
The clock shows 6h03
